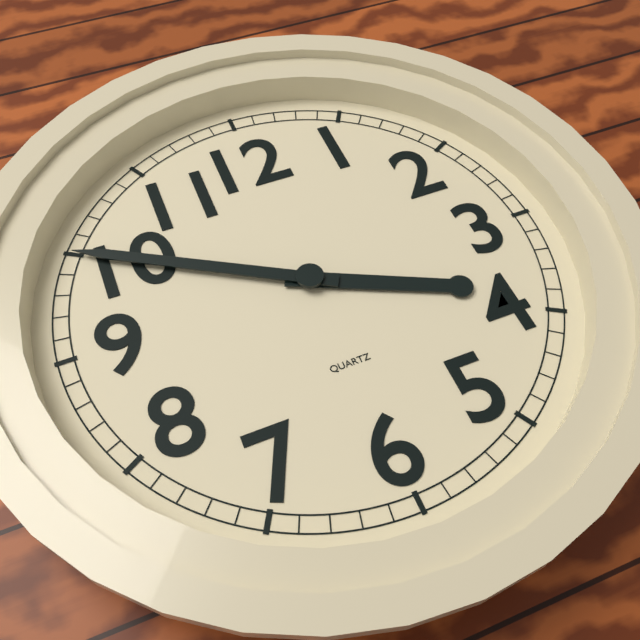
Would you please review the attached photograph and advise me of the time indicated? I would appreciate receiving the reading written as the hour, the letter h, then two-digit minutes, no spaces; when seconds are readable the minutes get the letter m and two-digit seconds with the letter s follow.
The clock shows 3h50
